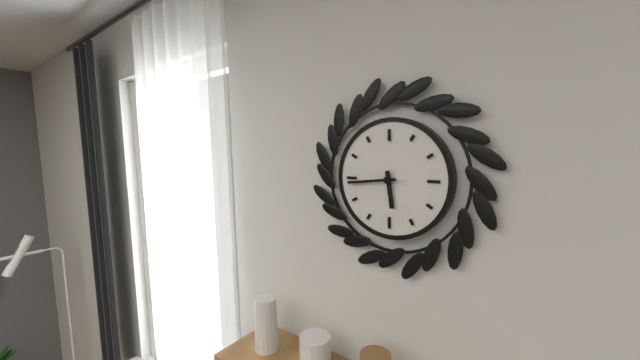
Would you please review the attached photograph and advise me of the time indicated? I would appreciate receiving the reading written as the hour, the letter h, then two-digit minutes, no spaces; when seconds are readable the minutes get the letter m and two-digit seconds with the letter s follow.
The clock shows 5h44
